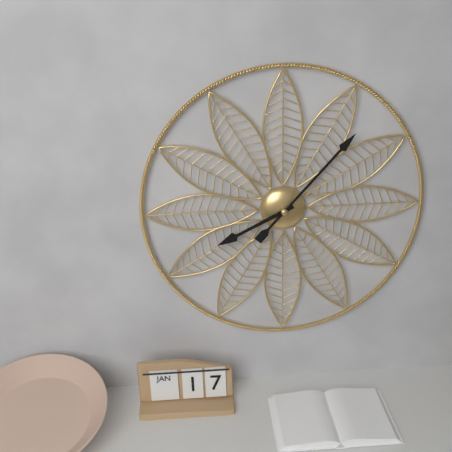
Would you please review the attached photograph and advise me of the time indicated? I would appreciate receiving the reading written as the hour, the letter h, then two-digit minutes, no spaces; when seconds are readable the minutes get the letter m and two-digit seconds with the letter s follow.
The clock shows 8h07
